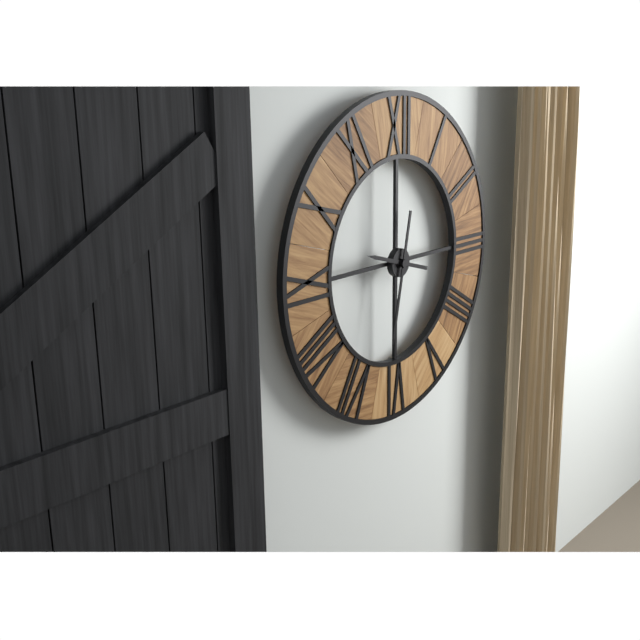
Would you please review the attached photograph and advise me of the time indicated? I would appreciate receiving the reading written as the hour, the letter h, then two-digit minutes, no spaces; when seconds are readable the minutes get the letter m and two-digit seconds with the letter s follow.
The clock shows 9h32
